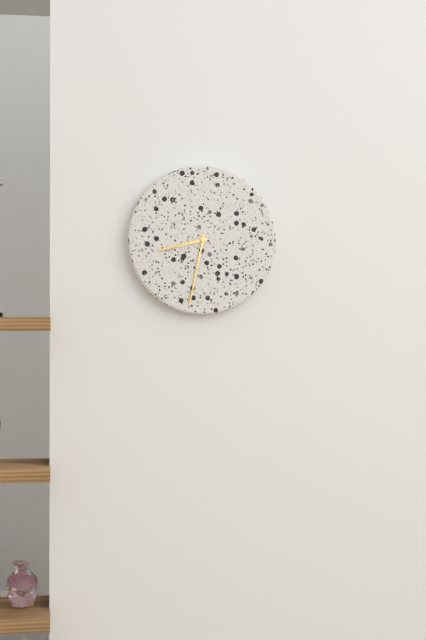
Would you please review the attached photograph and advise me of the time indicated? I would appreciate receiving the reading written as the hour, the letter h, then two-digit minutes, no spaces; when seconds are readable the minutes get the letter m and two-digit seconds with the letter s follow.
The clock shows 8h32
